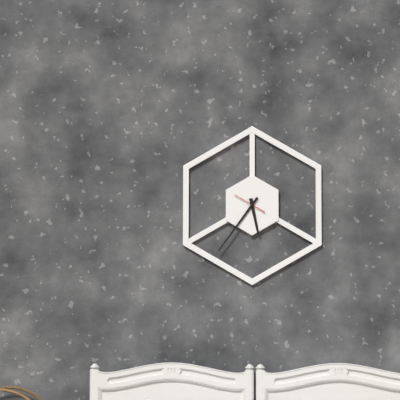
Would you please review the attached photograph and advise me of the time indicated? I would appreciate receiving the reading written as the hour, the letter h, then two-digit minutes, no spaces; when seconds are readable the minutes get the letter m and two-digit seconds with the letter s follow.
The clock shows 5h36
